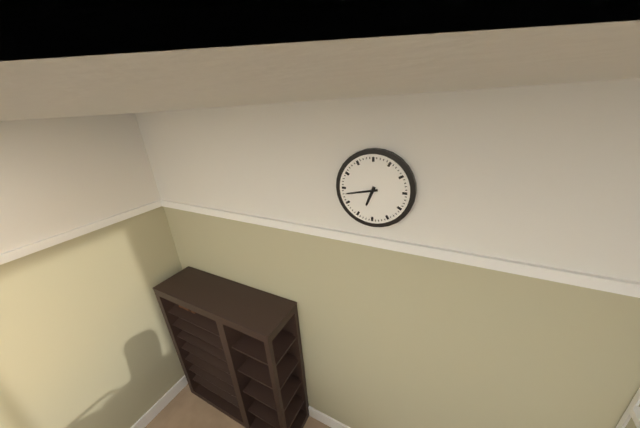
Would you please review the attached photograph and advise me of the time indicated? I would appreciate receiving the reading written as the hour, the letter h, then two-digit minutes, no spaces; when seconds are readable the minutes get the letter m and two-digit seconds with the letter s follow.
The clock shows 6h43
